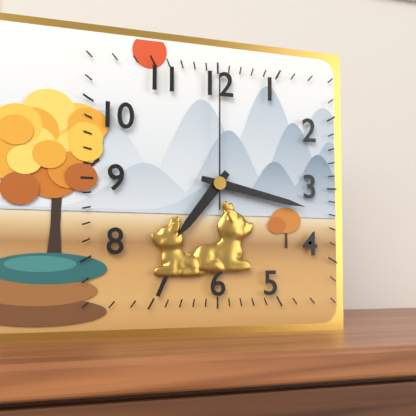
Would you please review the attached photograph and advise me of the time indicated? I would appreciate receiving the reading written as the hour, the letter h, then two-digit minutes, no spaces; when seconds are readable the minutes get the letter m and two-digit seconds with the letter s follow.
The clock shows 7h17m00s
